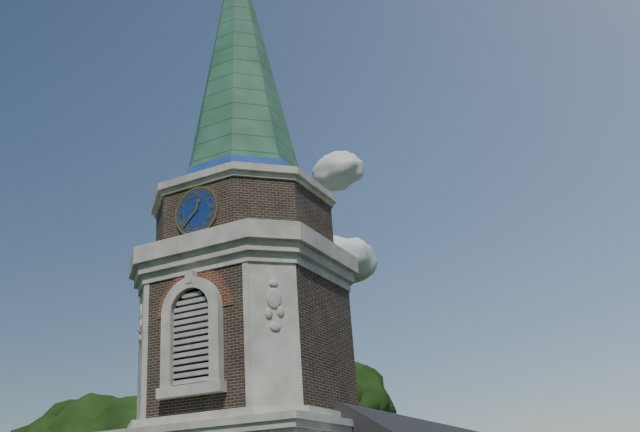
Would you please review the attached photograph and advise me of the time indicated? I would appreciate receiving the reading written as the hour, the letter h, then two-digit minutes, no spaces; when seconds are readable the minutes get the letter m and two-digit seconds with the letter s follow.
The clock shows 12h38
